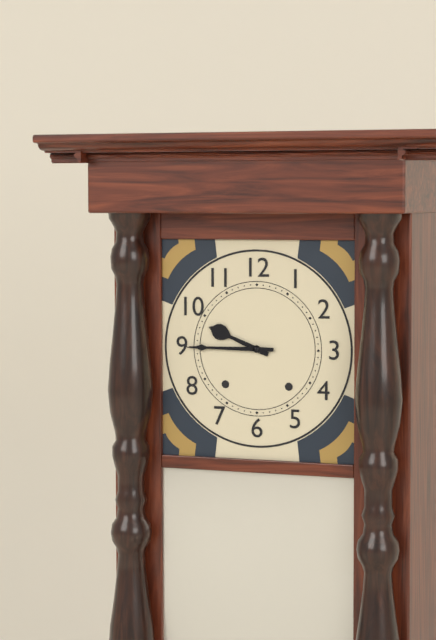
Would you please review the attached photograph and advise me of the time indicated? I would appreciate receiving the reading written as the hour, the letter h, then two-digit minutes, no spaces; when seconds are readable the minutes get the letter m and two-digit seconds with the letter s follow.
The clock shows 9h45
